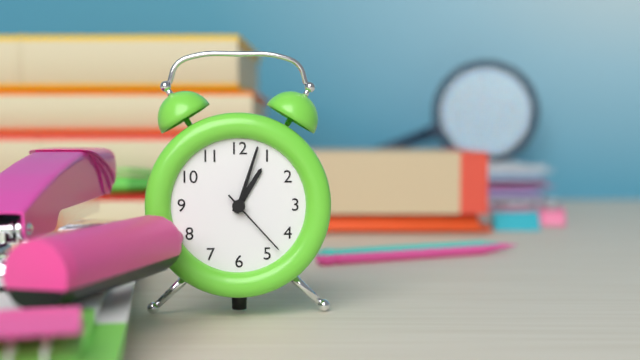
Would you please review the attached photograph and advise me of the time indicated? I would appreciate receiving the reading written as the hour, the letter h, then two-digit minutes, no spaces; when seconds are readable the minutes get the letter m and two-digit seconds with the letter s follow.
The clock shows 1h03m23s
